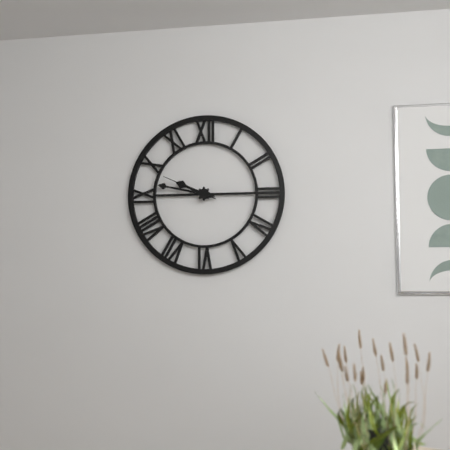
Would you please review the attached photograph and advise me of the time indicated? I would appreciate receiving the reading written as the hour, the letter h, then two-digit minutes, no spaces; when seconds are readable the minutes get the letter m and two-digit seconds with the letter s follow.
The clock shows 9h47m49s
